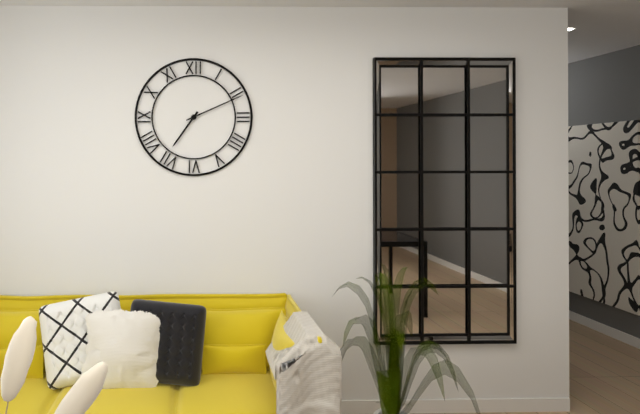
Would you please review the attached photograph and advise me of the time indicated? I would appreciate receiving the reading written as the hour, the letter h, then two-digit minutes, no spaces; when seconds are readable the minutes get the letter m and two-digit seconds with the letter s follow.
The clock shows 7h11
